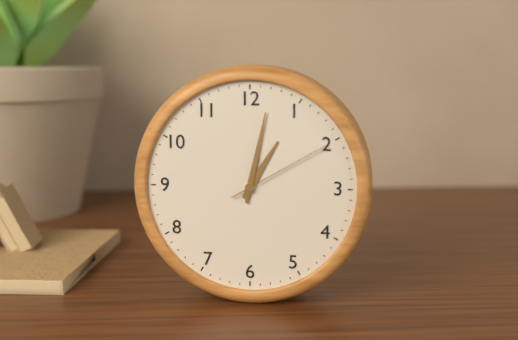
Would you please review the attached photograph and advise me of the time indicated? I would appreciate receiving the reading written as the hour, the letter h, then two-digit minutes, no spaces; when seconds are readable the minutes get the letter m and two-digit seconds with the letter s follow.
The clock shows 1h02m10s
